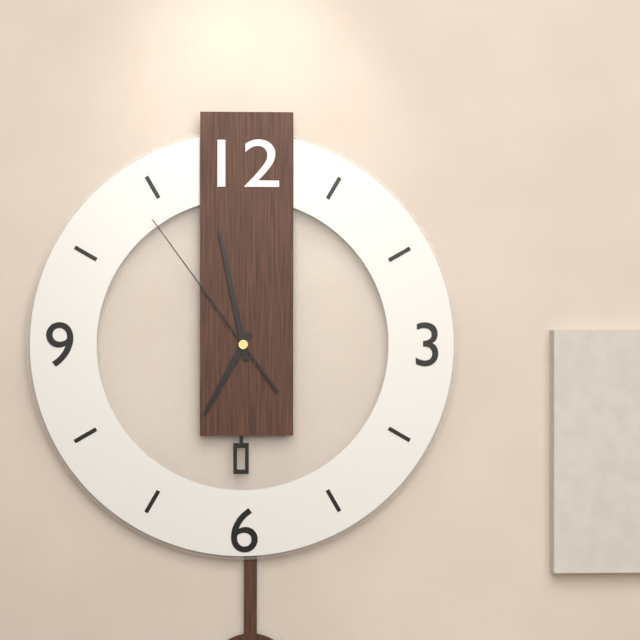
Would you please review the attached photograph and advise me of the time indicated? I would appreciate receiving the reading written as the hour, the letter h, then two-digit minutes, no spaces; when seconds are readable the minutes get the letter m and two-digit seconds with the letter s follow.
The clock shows 6h58m54s
